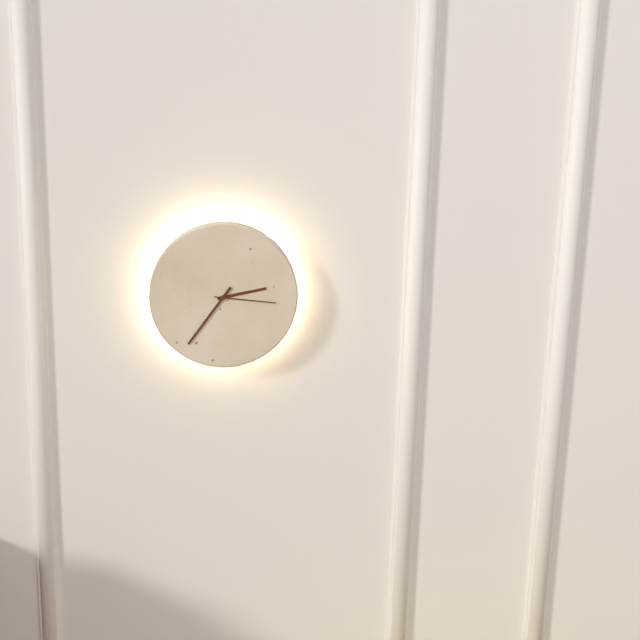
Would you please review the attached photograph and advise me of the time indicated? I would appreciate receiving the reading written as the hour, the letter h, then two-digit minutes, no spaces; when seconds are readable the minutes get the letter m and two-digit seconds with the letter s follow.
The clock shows 2h36m16s
